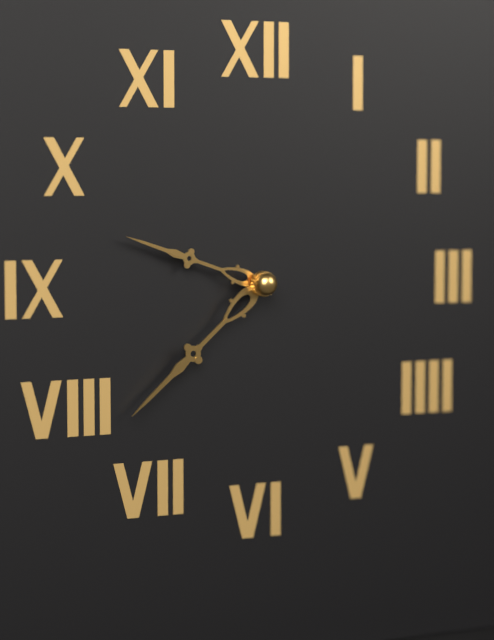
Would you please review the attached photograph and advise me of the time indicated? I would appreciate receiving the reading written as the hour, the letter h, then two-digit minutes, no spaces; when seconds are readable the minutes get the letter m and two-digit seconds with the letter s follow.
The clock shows 9h38
